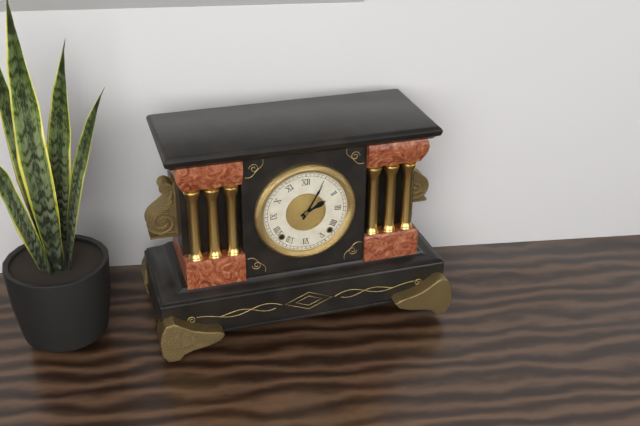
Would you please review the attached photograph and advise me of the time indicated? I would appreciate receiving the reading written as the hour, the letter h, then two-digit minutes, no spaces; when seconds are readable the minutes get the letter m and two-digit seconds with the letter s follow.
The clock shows 2h05
